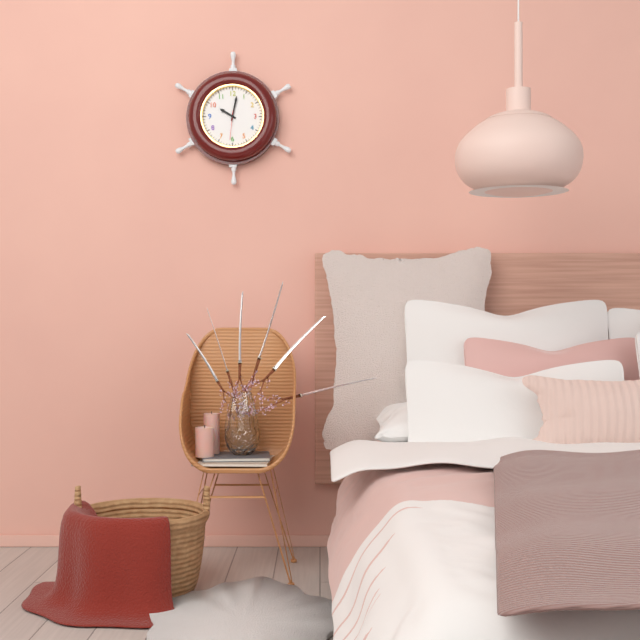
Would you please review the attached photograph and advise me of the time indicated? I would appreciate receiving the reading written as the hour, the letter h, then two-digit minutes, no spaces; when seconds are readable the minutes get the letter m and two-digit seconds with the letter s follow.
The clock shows 10h02
